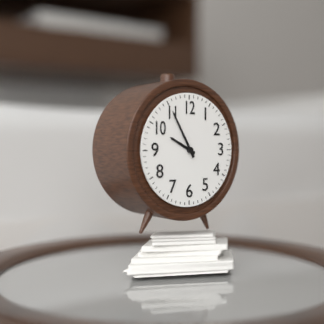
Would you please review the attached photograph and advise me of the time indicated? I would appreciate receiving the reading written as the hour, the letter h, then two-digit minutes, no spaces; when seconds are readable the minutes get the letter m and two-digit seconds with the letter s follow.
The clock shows 9h55
